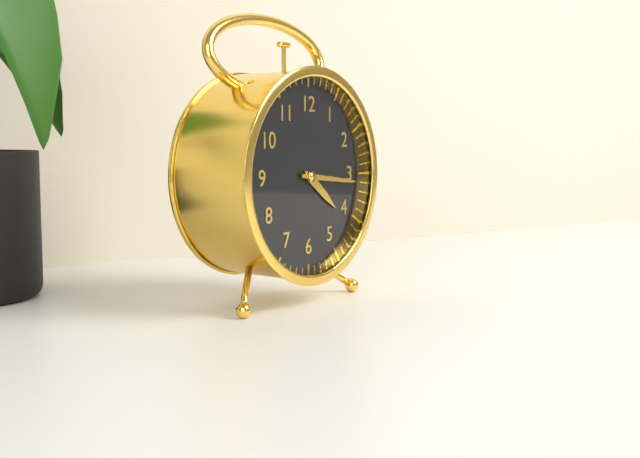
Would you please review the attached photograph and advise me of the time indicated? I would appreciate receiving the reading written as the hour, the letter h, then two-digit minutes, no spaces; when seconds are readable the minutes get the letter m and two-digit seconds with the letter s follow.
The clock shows 4h16
